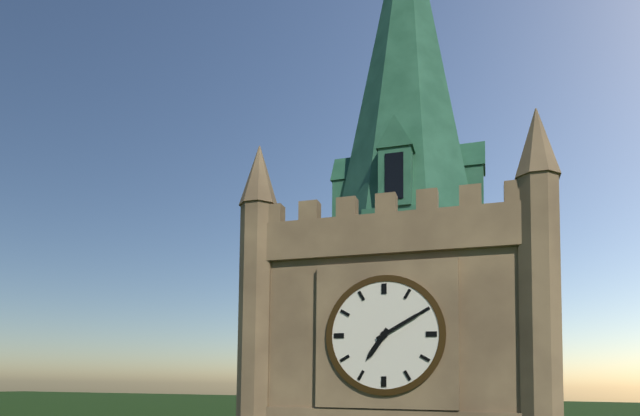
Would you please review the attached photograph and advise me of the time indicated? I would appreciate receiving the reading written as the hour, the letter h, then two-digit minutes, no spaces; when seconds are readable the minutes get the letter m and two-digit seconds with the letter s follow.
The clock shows 7h10
